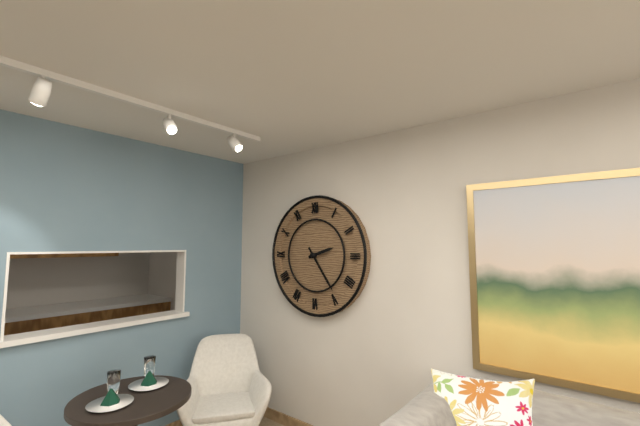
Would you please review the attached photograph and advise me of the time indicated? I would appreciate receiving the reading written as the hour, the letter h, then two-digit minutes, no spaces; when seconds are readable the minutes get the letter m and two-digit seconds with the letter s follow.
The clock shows 2h24
